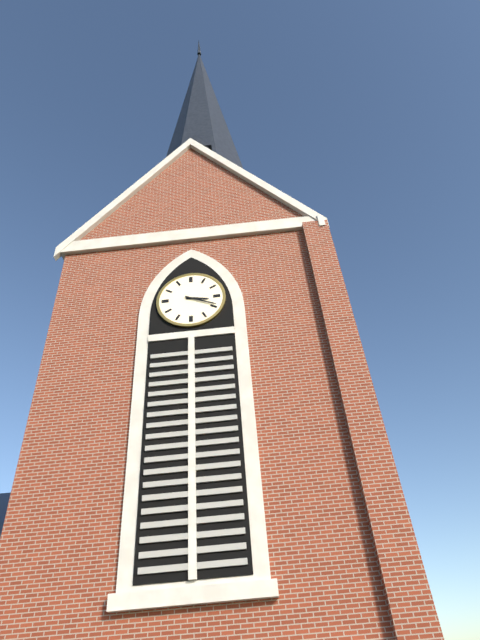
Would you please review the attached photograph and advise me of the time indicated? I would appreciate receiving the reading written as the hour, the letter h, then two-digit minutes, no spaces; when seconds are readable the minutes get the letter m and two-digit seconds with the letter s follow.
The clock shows 3h19
